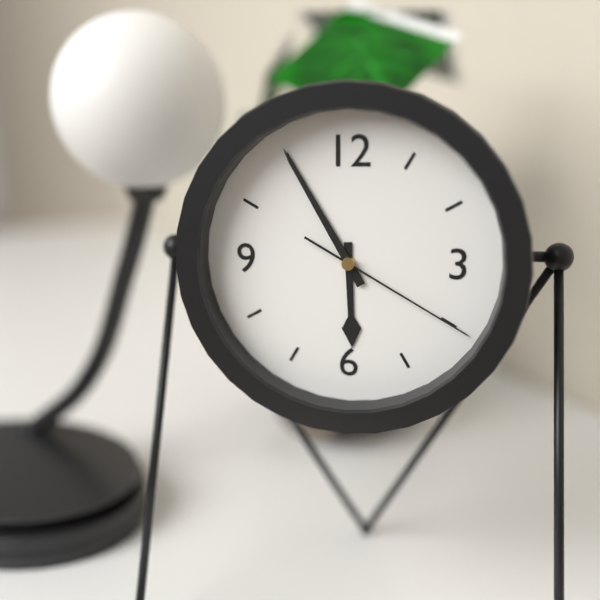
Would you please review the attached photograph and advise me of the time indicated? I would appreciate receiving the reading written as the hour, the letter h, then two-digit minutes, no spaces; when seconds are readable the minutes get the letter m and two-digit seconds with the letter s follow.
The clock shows 5h55m20s
